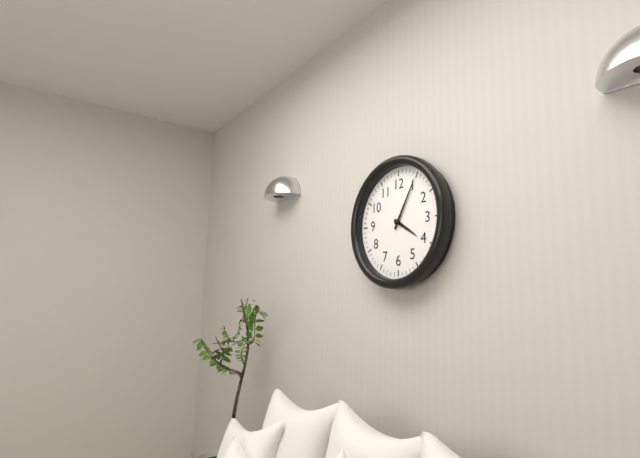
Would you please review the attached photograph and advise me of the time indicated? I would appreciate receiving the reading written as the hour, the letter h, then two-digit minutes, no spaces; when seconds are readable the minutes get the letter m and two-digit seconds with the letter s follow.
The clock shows 4h05
